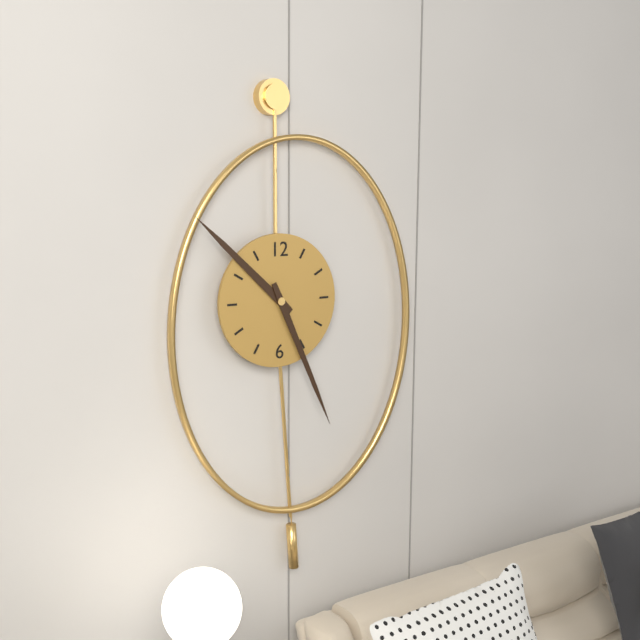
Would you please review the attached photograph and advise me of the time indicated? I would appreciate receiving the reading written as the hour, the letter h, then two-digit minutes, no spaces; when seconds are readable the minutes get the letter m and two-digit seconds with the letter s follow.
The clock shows 10h26
